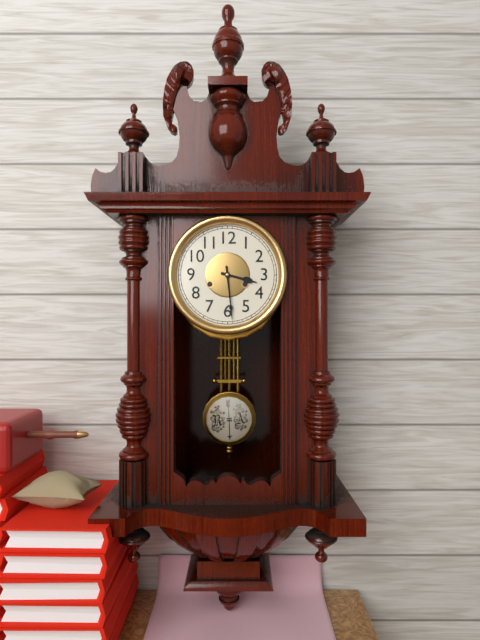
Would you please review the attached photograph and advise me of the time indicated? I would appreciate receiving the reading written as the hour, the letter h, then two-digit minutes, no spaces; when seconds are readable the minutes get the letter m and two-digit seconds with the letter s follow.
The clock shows 3h29
